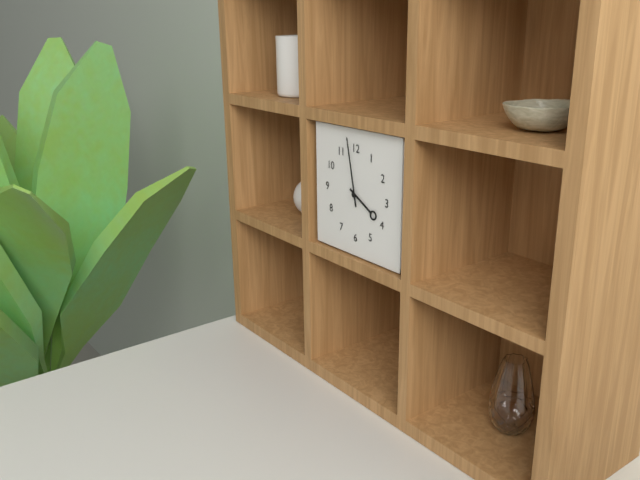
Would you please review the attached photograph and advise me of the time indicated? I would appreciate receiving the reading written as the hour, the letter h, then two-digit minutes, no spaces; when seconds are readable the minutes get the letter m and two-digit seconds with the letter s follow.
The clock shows 3h58
